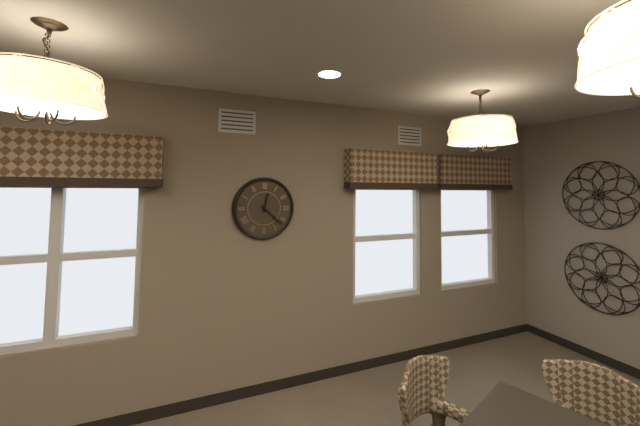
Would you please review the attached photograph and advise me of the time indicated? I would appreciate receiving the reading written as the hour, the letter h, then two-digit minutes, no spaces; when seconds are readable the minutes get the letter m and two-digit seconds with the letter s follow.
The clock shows 12h22
